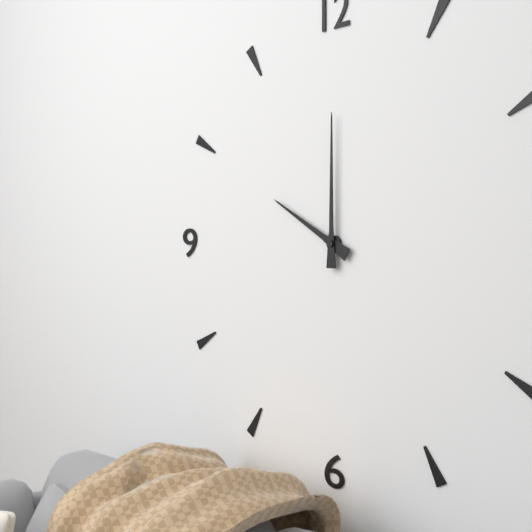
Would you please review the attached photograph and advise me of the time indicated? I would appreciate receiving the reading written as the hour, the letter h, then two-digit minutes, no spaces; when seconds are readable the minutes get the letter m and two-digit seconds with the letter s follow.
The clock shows 10h00
